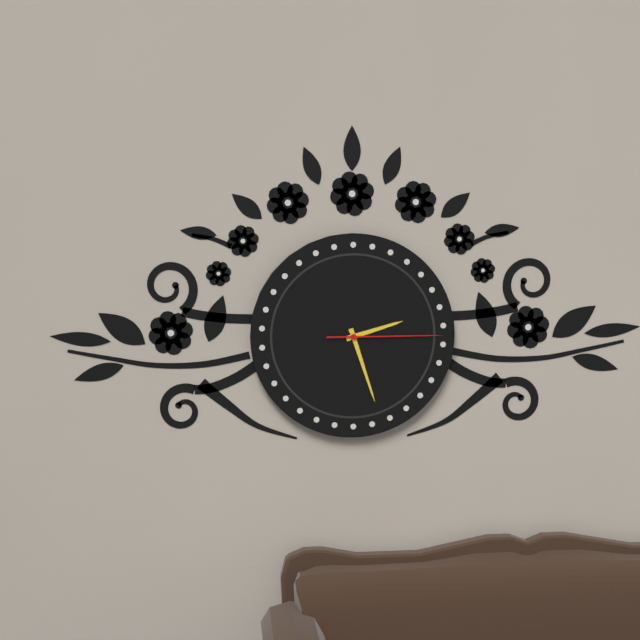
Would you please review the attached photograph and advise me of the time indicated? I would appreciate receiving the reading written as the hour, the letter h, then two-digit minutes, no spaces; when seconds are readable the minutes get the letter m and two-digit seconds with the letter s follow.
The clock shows 2h27m15s
